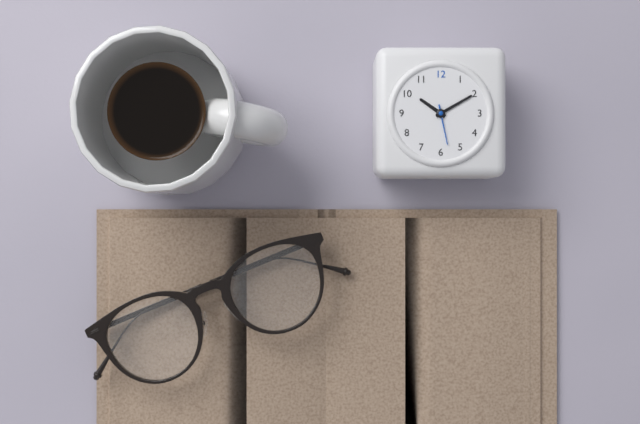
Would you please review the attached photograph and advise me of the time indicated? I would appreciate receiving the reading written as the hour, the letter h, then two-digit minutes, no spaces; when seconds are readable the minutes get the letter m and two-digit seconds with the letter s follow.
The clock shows 10h10
